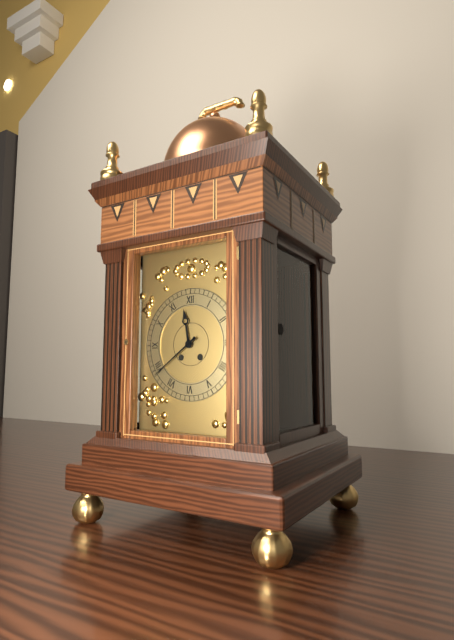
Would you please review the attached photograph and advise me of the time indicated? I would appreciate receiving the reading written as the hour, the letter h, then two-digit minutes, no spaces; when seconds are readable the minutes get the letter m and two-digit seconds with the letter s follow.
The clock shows 11h39
